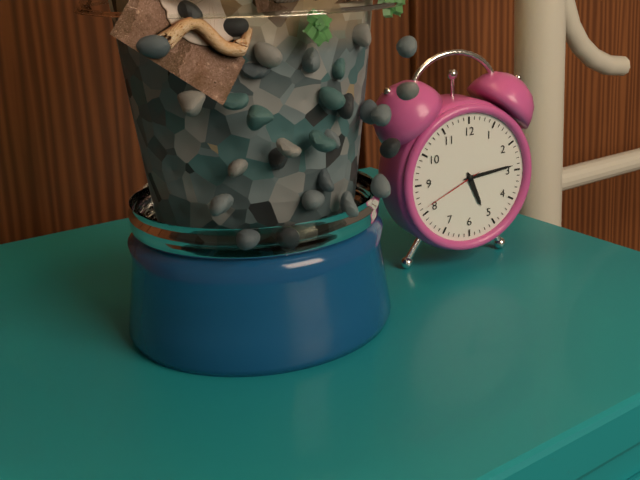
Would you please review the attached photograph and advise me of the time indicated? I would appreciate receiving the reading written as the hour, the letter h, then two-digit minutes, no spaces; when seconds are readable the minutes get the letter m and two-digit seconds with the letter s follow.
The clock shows 5h14m41s
